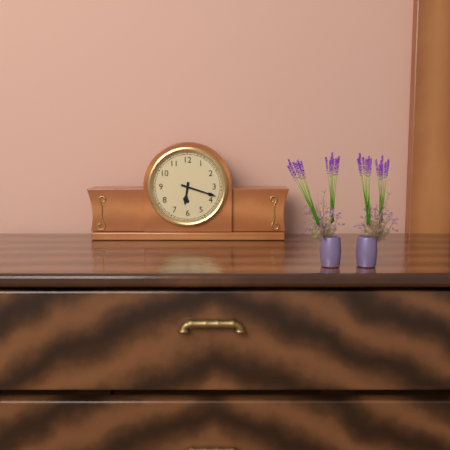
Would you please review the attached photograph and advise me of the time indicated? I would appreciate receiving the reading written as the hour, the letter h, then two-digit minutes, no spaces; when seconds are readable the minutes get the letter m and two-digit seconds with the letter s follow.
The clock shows 6h18
